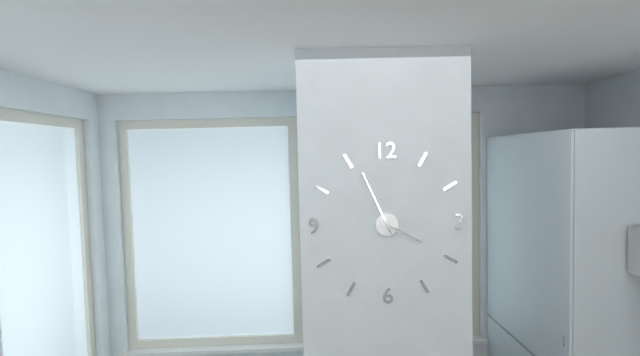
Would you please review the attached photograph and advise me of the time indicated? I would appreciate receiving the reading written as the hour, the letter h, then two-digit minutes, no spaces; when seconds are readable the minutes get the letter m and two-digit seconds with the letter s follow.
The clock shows 3h56
